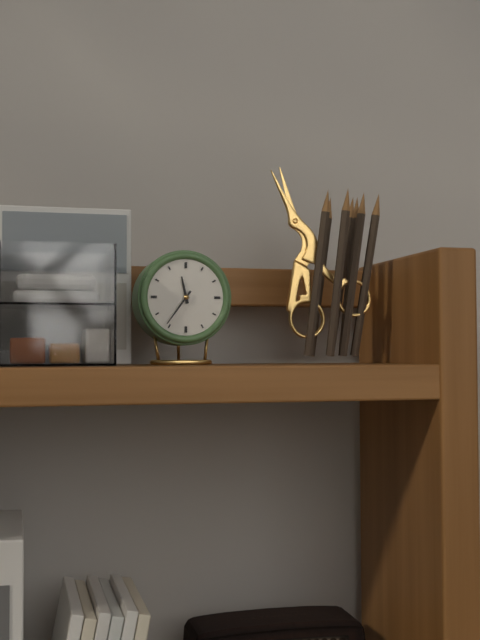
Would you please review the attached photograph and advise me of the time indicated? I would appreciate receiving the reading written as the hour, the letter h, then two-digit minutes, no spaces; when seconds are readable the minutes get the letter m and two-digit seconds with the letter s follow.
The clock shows 11h36
